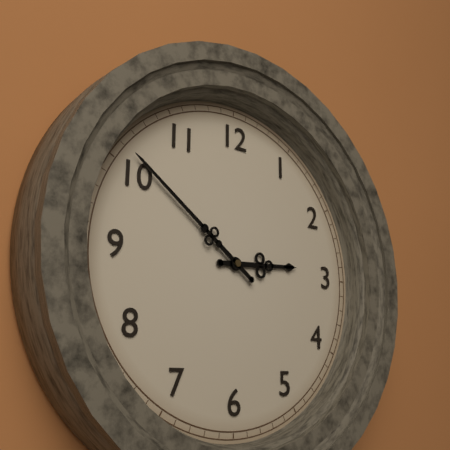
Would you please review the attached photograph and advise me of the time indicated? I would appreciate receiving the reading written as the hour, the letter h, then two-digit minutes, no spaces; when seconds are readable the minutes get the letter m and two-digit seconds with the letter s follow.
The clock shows 2h51
